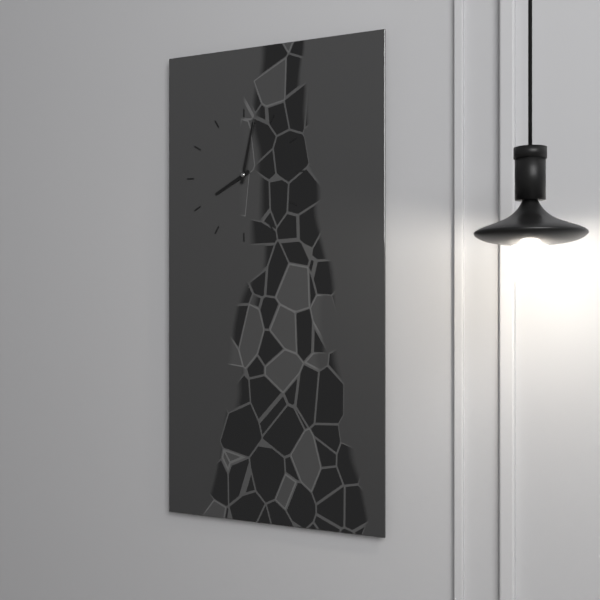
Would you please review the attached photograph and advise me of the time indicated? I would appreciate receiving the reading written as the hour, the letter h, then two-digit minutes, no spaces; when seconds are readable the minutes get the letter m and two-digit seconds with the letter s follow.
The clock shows 8h02
